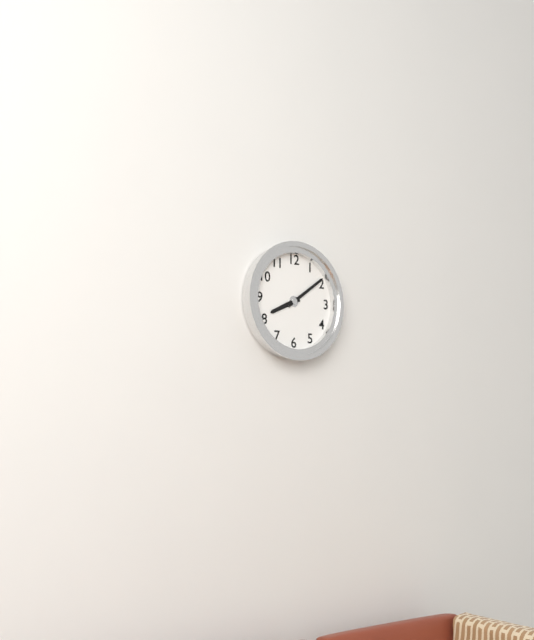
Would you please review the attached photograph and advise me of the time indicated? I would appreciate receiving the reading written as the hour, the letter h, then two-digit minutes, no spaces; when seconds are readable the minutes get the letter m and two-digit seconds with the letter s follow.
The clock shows 8h09
